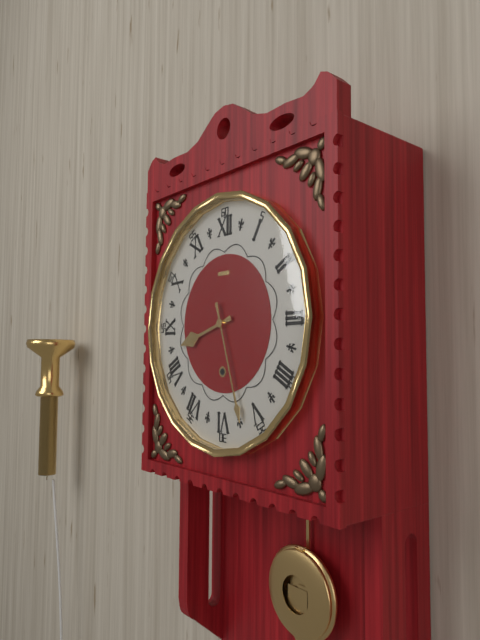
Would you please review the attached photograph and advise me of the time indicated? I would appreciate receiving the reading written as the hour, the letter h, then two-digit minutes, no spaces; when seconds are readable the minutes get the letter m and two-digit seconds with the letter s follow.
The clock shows 8h27
